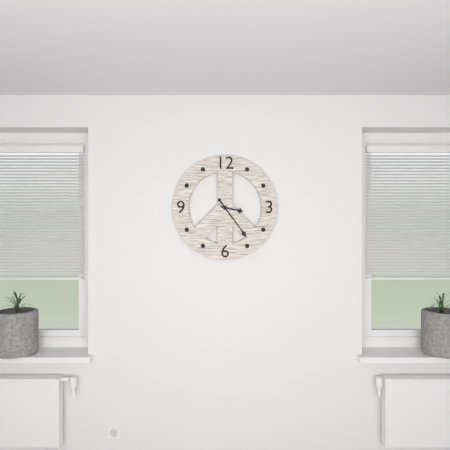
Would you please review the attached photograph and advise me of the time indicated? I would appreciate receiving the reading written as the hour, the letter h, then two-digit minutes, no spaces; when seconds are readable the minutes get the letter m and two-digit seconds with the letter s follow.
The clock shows 3h24
